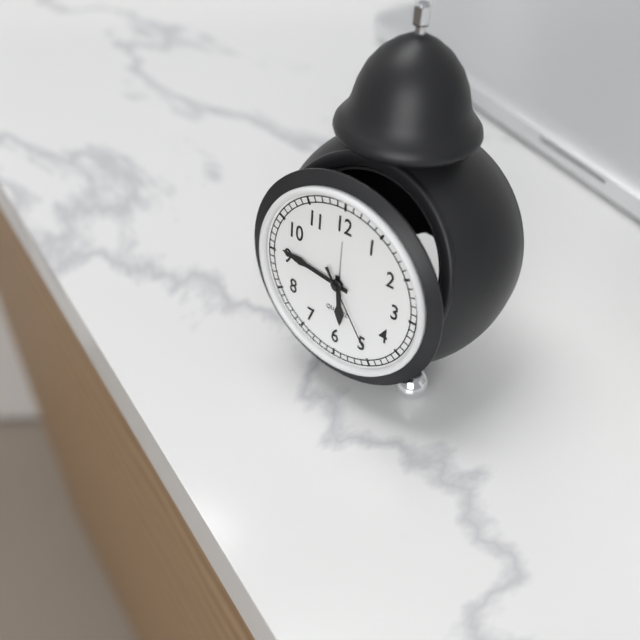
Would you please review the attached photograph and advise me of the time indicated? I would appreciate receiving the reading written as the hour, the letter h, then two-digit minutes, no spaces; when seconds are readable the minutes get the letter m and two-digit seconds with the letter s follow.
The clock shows 5h46m24s
